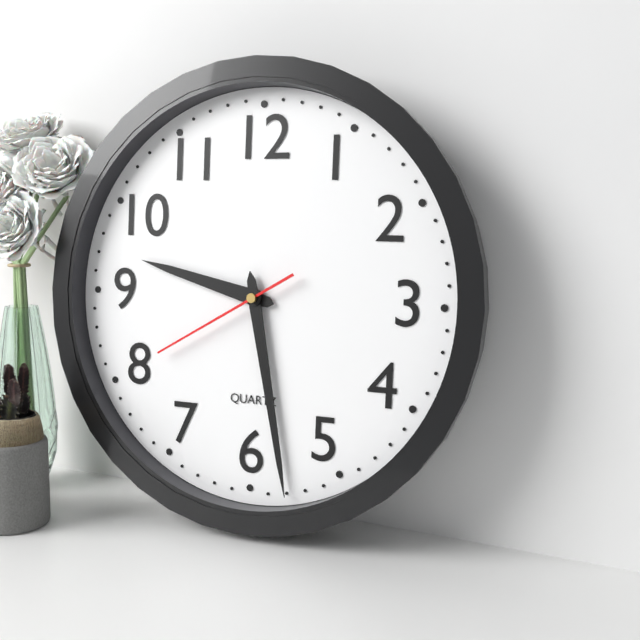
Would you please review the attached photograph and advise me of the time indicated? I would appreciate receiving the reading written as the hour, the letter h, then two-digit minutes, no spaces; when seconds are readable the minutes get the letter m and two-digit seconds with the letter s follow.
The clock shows 9h28m40s
